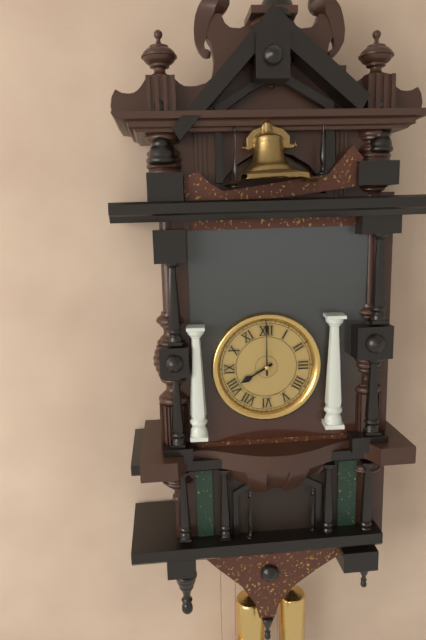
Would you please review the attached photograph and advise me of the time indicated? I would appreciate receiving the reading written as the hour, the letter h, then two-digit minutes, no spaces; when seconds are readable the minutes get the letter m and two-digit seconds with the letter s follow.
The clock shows 8h00
